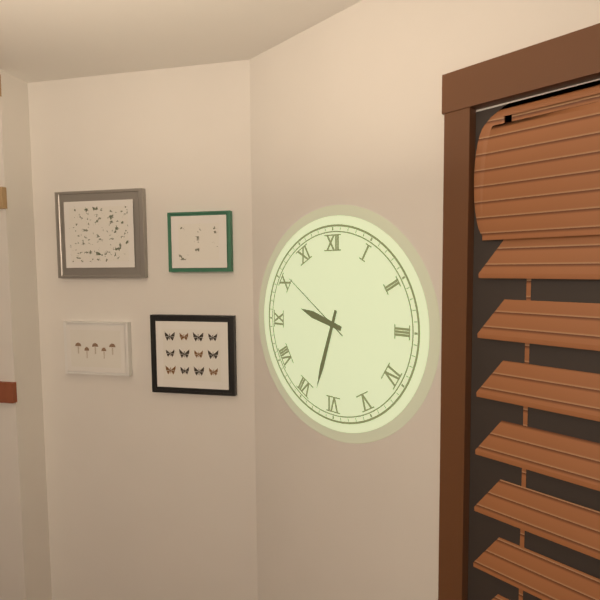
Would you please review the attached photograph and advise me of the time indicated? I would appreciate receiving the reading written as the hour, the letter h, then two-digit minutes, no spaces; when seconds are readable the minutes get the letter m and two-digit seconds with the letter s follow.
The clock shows 9h33m51s
